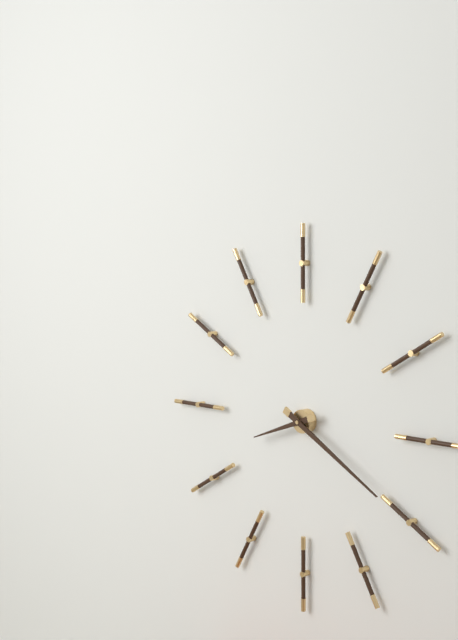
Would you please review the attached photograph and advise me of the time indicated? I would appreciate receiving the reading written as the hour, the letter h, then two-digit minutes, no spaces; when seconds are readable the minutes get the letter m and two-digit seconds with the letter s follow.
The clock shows 8h20
